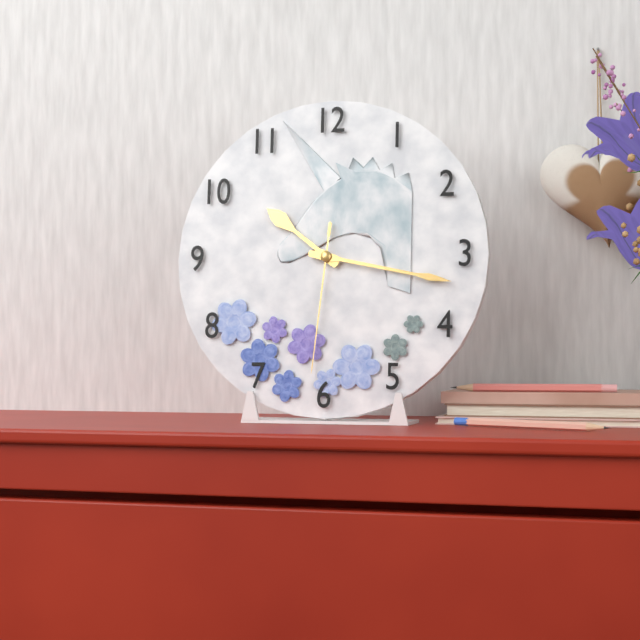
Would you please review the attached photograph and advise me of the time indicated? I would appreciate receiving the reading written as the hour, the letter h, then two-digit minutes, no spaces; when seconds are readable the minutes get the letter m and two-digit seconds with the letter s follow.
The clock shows 10h17m31s
